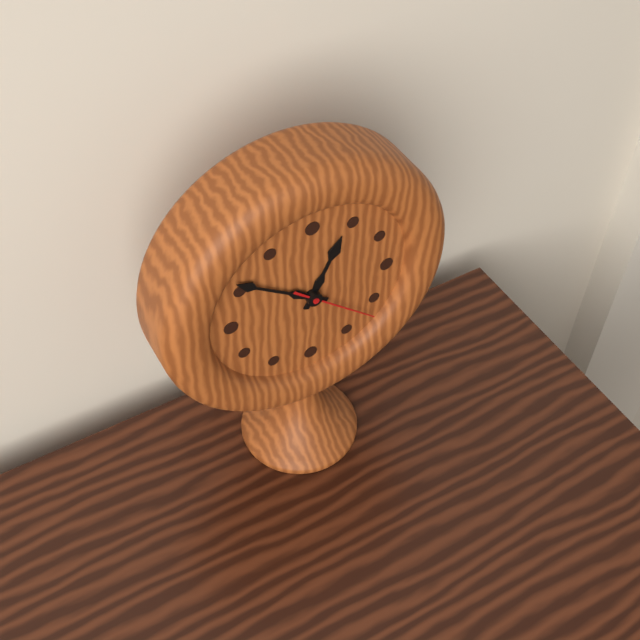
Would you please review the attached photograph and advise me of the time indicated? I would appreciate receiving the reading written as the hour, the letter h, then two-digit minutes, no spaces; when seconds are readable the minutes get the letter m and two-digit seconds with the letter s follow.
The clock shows 12h51m22s
